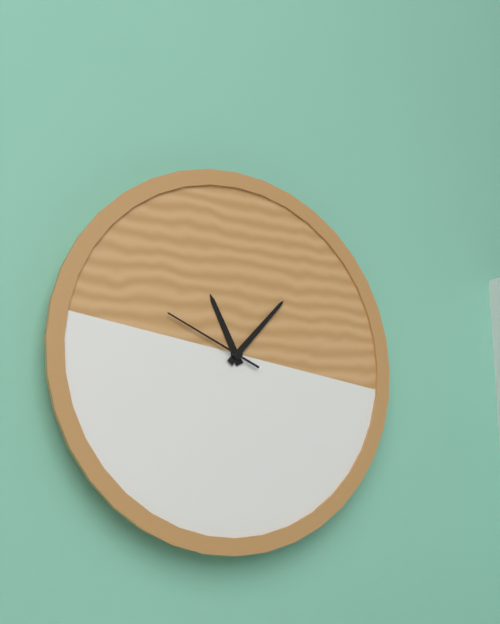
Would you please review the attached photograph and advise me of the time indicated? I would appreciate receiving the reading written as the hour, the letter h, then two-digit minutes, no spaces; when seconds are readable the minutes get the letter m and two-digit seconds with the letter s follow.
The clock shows 11h07m49s
